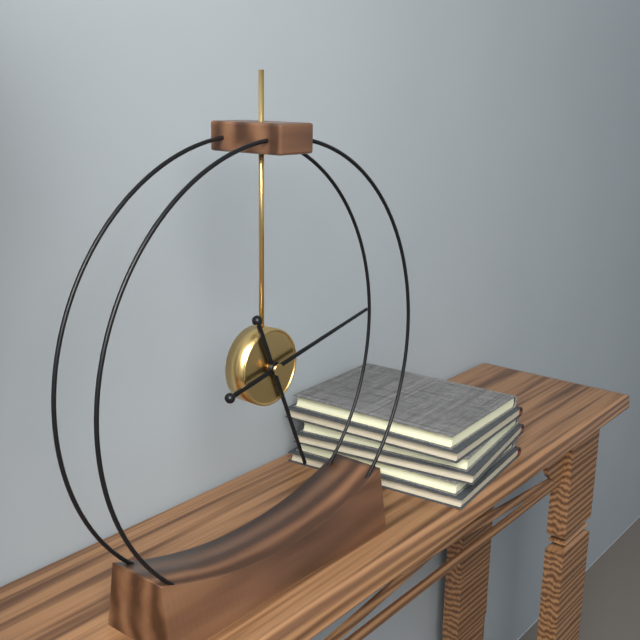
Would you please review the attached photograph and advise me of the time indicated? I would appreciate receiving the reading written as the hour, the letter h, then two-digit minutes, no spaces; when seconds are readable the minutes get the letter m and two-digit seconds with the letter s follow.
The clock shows 5h13
